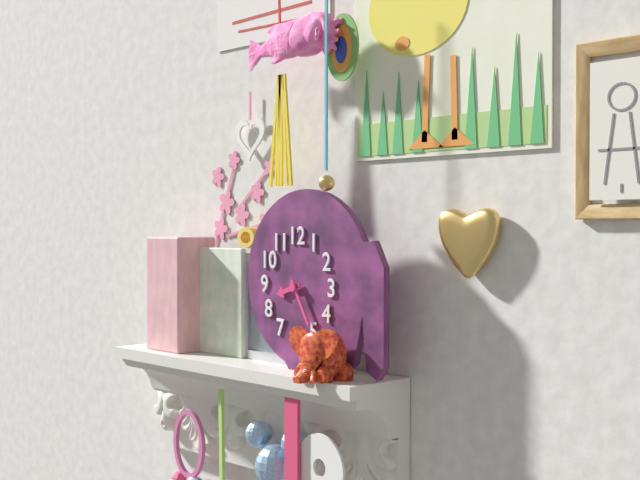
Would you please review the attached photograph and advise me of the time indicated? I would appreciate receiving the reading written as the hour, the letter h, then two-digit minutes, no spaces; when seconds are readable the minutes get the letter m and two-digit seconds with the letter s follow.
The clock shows 8h25
